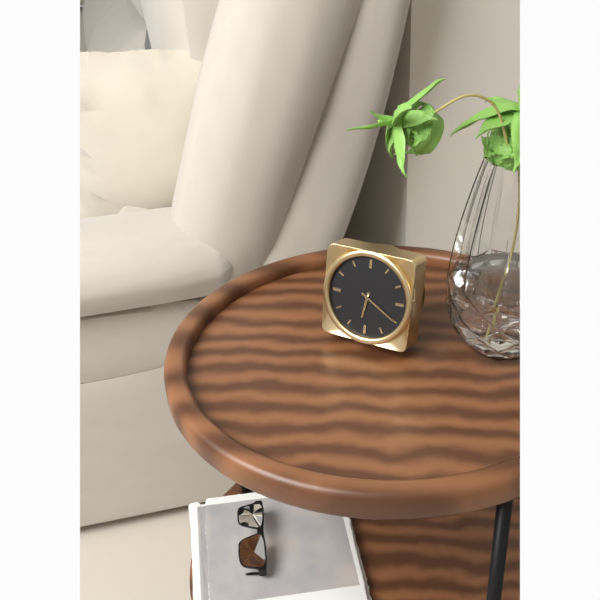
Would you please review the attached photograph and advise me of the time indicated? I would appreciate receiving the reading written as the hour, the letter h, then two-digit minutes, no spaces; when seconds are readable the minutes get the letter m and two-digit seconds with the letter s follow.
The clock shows 6h20
